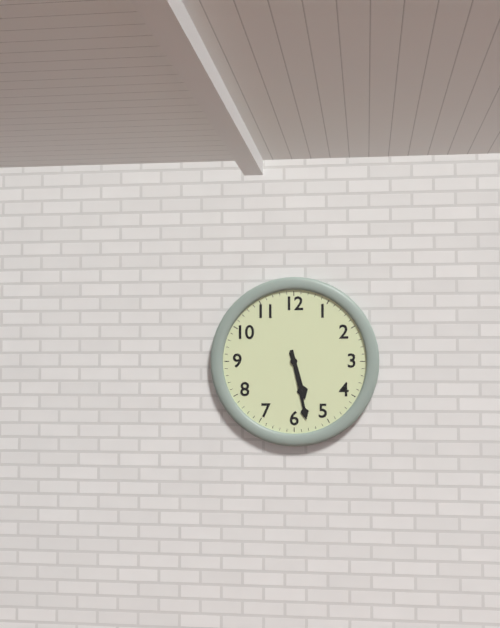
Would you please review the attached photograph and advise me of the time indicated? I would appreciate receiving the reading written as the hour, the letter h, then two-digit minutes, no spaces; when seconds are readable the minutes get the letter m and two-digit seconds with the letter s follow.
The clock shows 5h28
